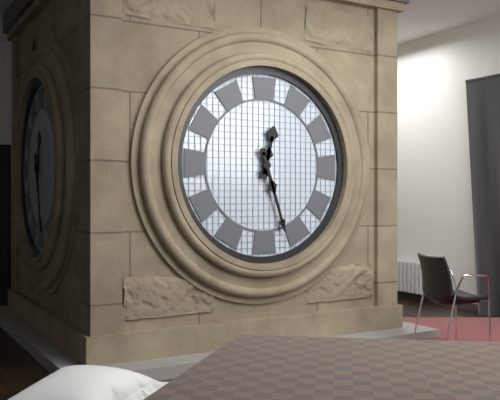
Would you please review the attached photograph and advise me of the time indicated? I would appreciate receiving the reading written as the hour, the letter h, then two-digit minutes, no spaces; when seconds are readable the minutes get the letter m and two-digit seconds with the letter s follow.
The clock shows 12h27
